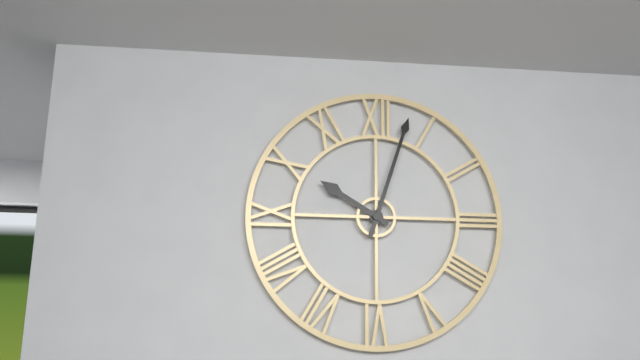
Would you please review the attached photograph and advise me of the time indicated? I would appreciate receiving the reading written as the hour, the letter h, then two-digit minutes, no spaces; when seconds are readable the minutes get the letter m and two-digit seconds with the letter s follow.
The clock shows 10h03
